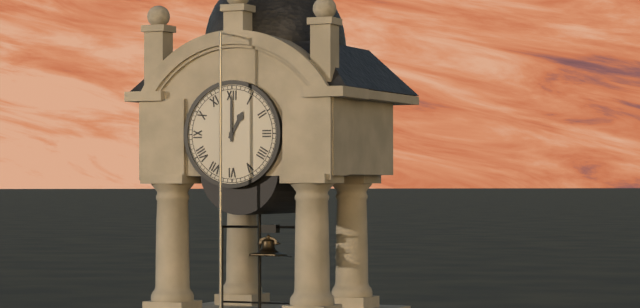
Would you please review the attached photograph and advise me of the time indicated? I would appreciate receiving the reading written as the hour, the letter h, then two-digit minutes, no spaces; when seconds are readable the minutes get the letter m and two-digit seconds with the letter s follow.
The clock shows 1h00
